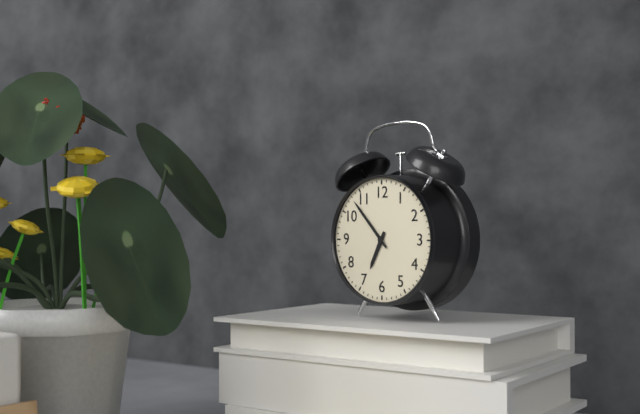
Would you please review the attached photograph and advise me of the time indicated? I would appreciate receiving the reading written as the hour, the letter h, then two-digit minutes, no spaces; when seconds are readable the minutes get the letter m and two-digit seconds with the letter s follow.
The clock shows 6h53
